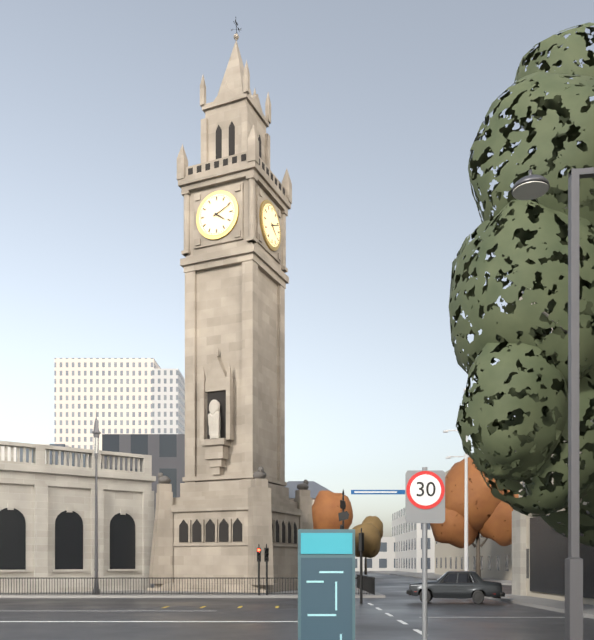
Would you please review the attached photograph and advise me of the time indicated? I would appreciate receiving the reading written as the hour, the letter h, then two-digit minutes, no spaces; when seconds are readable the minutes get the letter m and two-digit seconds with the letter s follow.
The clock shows 4h11
